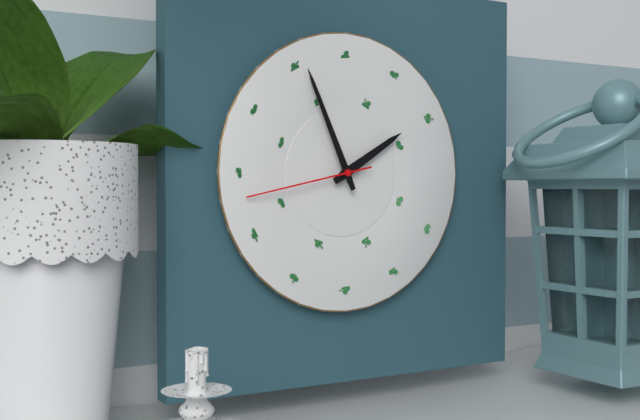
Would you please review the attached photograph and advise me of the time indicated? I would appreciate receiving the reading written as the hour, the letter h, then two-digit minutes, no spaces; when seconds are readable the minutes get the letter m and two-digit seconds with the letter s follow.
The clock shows 1h56m43s
